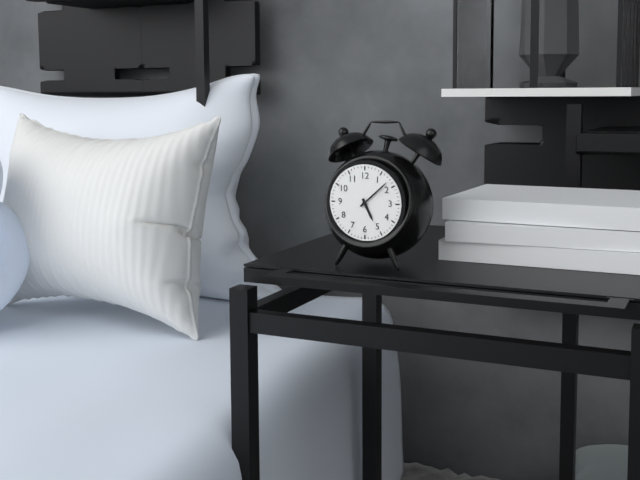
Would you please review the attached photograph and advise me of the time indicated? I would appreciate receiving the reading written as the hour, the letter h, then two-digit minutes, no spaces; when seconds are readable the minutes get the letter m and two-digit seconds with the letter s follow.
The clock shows 5h08
